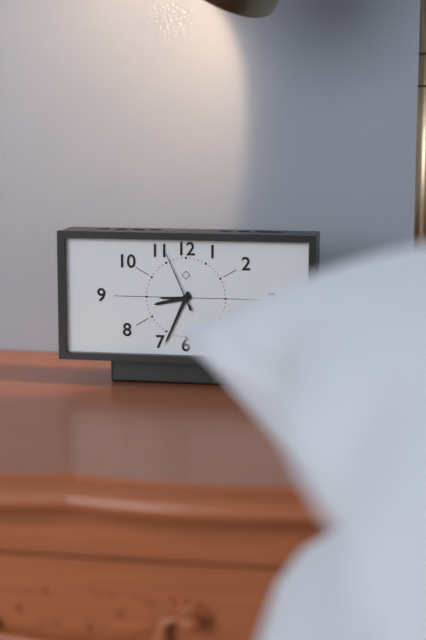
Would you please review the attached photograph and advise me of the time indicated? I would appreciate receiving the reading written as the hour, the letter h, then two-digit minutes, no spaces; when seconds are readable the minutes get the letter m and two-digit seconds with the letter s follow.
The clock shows 8h34m56s
